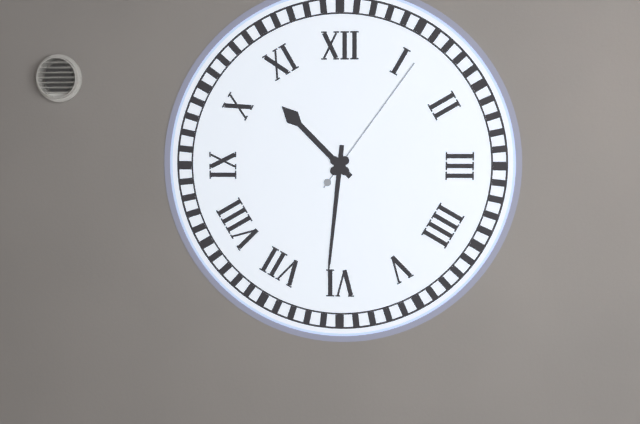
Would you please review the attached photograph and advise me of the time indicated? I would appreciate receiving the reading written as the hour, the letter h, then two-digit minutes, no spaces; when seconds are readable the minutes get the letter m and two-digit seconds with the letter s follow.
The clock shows 10h31m06s
